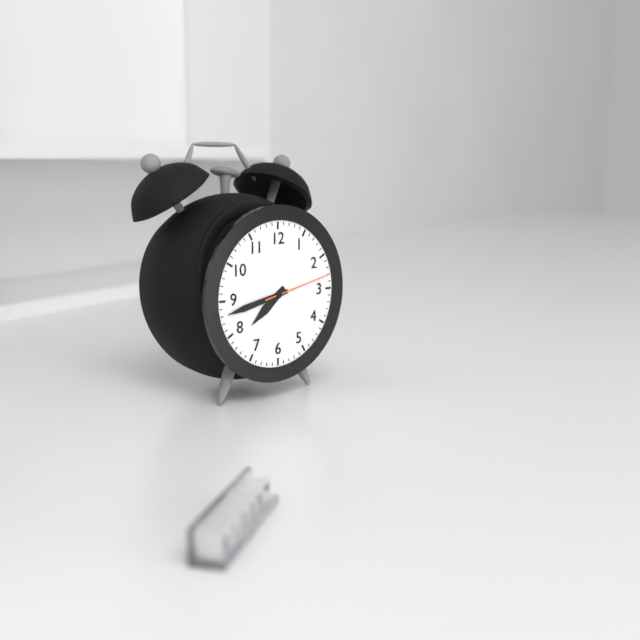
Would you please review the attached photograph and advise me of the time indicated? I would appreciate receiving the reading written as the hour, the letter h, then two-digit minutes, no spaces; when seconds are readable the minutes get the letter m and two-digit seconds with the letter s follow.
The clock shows 7h43m13s
